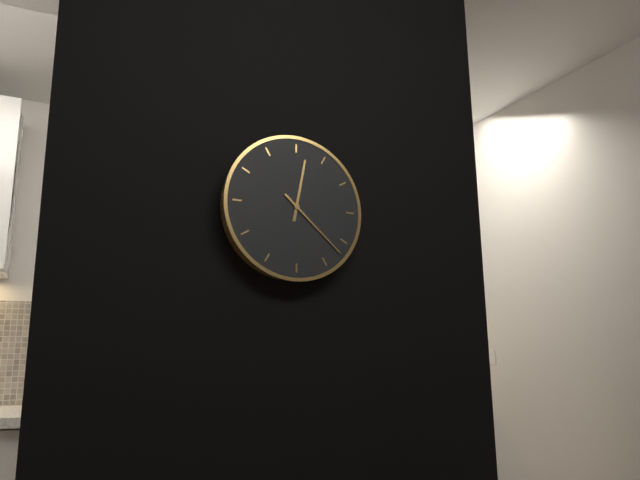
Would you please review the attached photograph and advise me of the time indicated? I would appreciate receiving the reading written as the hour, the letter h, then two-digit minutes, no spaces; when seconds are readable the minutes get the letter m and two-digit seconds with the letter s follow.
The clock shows 12h22
